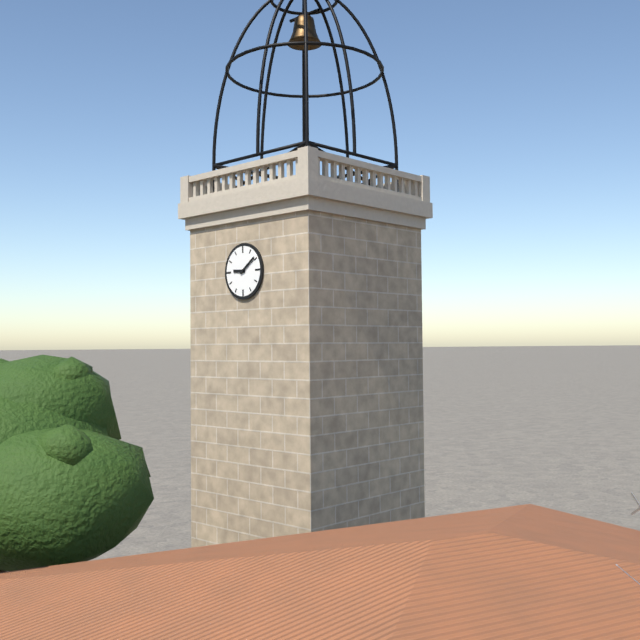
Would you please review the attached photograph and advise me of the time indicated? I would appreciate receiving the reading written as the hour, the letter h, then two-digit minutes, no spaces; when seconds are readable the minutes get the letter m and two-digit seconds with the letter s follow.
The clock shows 9h09
